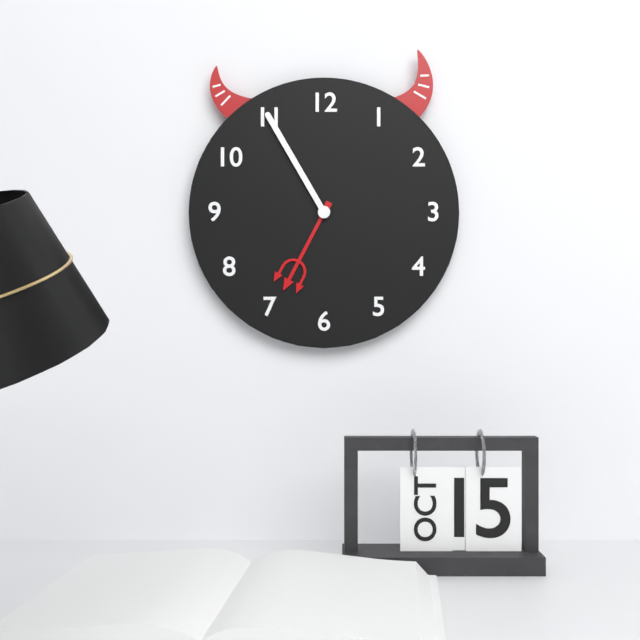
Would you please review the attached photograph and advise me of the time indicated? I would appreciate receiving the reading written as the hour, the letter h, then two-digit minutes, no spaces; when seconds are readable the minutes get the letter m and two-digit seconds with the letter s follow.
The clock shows 6h55
